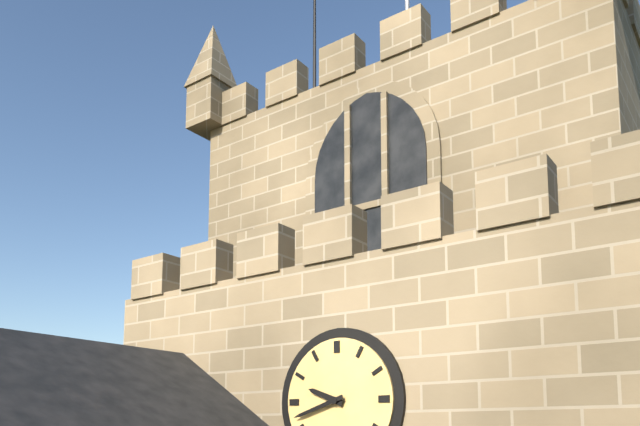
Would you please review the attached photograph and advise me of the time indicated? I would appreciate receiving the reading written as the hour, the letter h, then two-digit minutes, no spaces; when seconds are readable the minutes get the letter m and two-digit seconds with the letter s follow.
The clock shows 9h42
